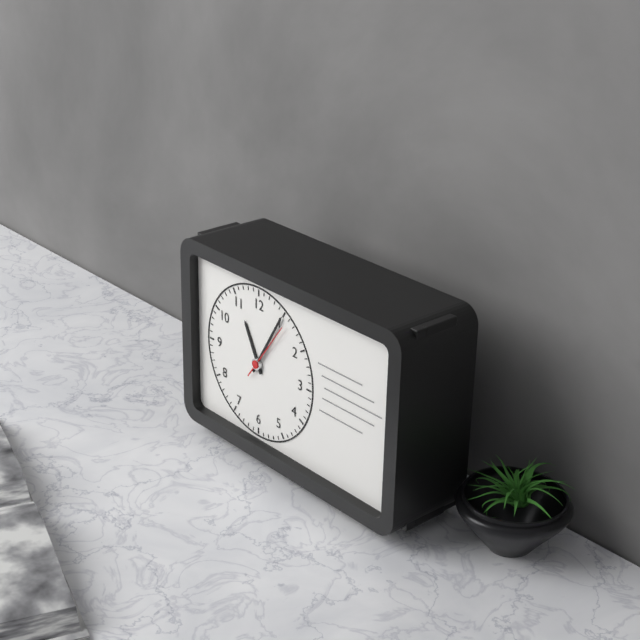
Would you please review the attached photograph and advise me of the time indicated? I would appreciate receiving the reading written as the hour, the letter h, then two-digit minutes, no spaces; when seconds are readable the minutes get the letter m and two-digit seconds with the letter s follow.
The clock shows 11h05m06s
